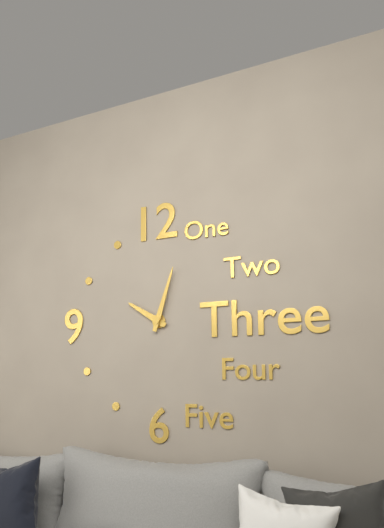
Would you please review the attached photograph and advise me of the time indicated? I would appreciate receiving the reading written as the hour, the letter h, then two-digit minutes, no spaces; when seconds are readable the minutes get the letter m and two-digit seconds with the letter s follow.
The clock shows 10h03
